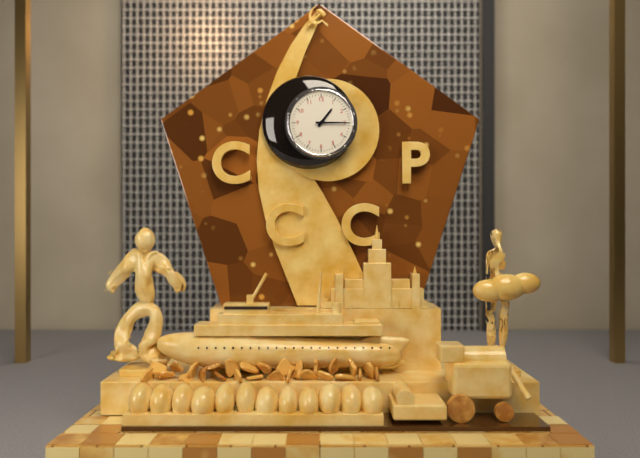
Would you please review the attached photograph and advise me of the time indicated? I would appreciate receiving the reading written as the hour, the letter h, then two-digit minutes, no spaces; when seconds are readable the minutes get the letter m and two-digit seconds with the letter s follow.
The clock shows 1h15
